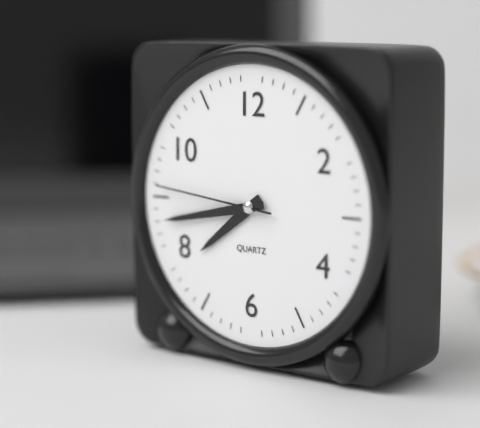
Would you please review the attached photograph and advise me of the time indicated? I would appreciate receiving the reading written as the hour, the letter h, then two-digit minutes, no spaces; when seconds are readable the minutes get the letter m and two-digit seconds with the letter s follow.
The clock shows 7h43m46s
